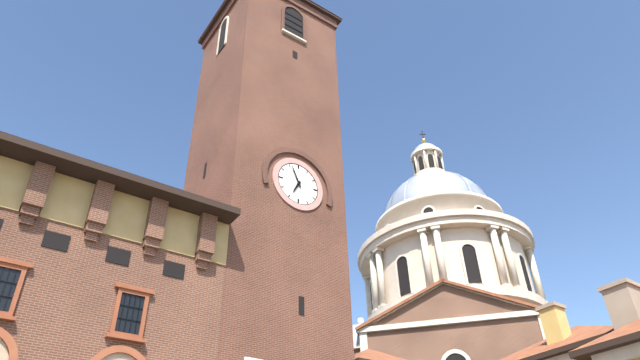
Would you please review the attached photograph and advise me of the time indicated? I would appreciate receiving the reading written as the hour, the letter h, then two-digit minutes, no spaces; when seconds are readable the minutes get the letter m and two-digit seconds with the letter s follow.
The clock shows 6h56
